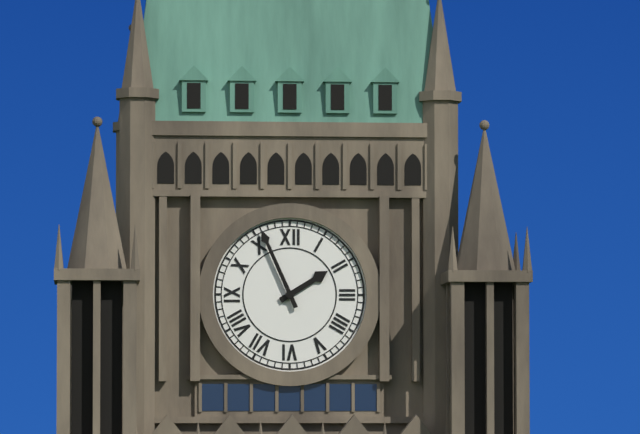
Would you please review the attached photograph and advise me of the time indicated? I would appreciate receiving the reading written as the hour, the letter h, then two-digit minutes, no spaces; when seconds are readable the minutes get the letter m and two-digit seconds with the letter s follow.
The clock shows 1h56
